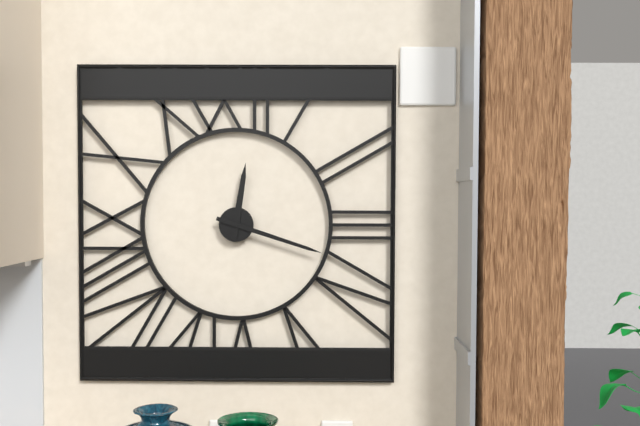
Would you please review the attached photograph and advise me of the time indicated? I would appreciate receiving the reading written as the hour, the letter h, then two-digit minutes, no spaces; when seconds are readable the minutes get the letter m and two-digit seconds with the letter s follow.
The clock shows 12h18
